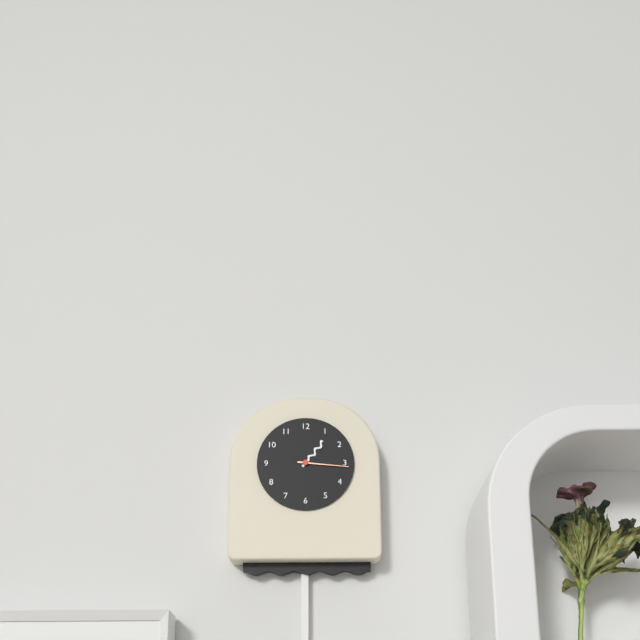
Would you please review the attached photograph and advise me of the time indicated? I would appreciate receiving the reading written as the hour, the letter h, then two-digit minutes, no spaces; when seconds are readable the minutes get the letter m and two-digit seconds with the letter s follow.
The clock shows 1h16
